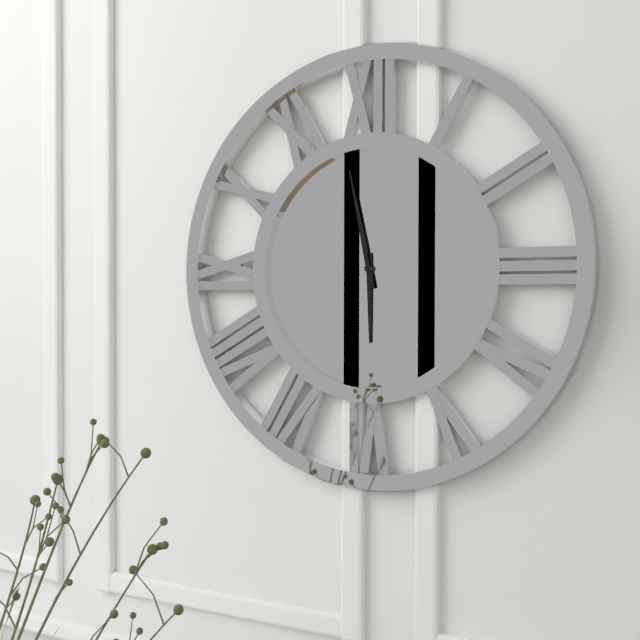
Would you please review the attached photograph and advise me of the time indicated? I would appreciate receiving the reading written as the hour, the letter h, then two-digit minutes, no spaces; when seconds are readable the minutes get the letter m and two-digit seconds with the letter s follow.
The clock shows 5h58
